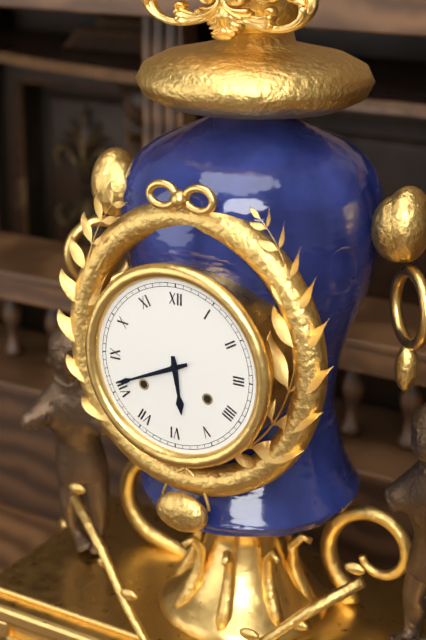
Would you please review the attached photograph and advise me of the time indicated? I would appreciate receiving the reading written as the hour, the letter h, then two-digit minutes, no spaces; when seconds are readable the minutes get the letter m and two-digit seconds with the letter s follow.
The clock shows 5h41
